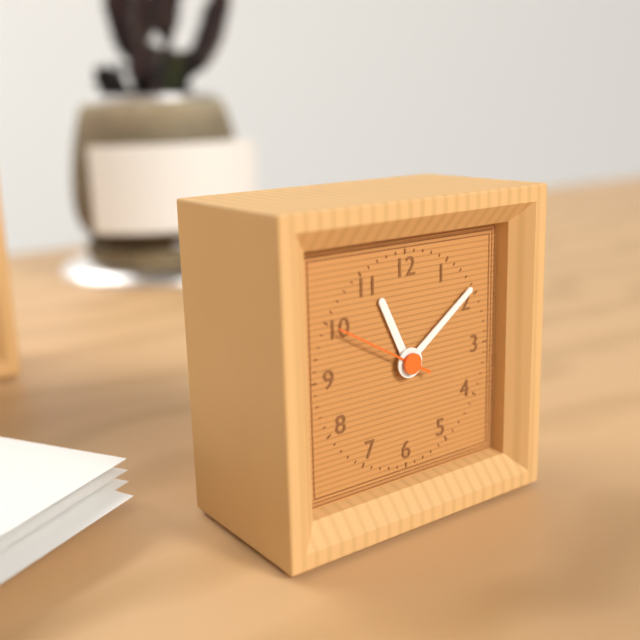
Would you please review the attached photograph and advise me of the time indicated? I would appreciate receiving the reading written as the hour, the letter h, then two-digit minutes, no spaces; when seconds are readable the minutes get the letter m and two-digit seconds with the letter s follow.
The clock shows 11h09m50s
